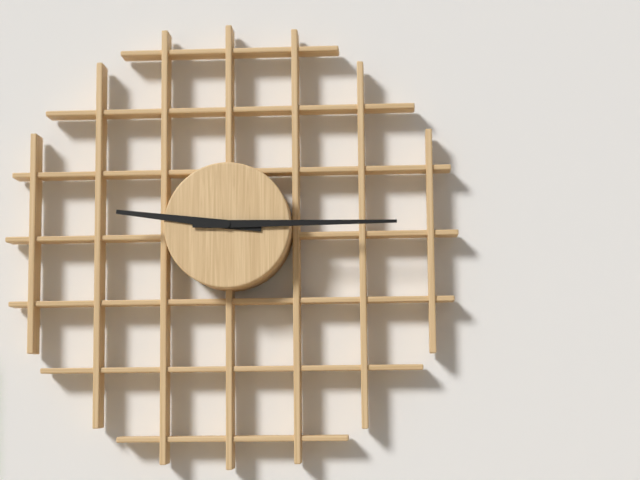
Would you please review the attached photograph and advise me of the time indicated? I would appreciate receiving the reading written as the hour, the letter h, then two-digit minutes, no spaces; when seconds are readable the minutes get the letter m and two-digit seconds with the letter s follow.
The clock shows 9h15
